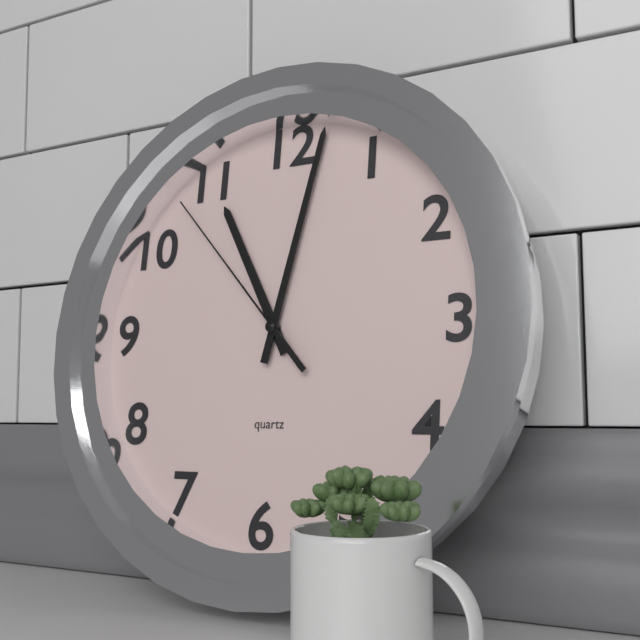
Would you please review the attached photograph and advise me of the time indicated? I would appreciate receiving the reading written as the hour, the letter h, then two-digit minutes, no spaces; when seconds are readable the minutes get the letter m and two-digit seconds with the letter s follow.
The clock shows 11h02m53s
